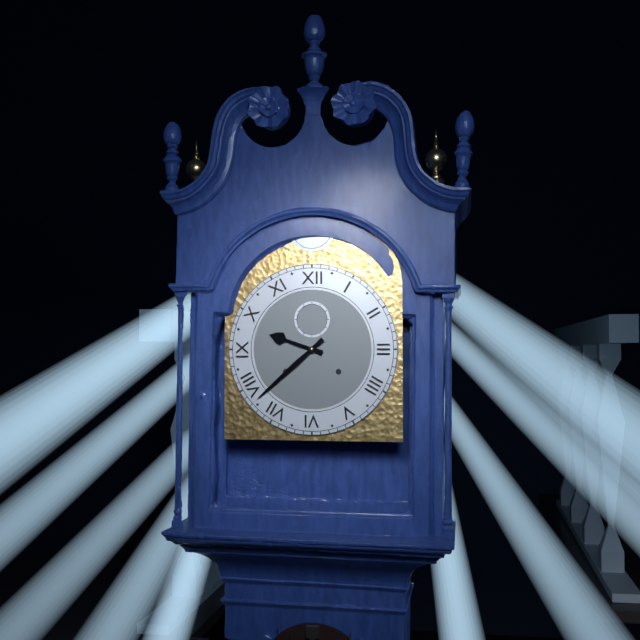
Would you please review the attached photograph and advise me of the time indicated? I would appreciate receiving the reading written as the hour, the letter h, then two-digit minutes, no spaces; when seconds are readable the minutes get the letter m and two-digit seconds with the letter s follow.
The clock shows 9h38
